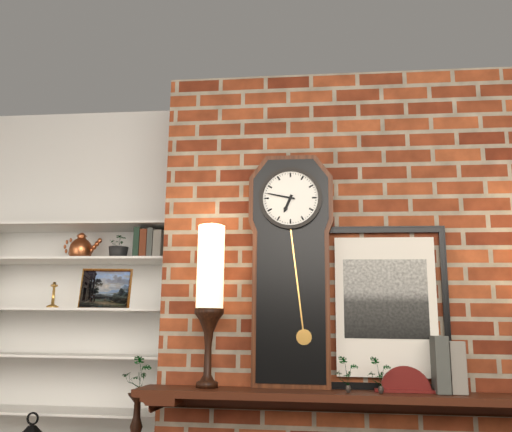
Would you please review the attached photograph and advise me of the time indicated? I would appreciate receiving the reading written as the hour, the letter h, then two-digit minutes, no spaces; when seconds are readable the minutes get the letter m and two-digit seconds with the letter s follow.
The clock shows 6h47
